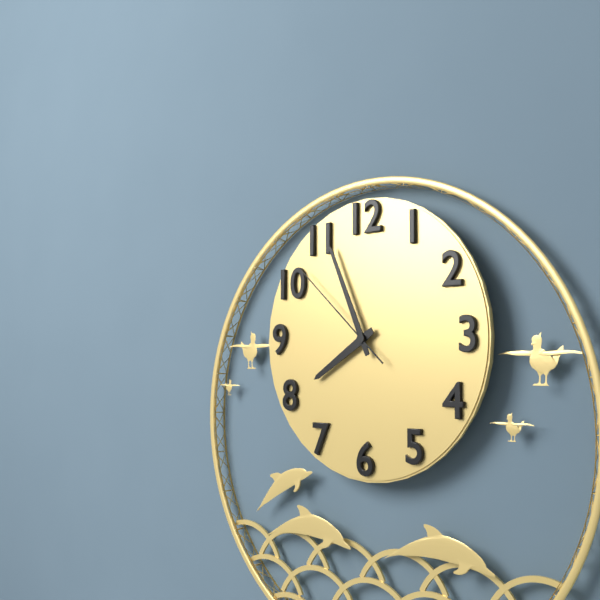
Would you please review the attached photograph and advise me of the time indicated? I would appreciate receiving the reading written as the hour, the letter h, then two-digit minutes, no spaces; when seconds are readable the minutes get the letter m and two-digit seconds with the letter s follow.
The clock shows 7h56m52s
